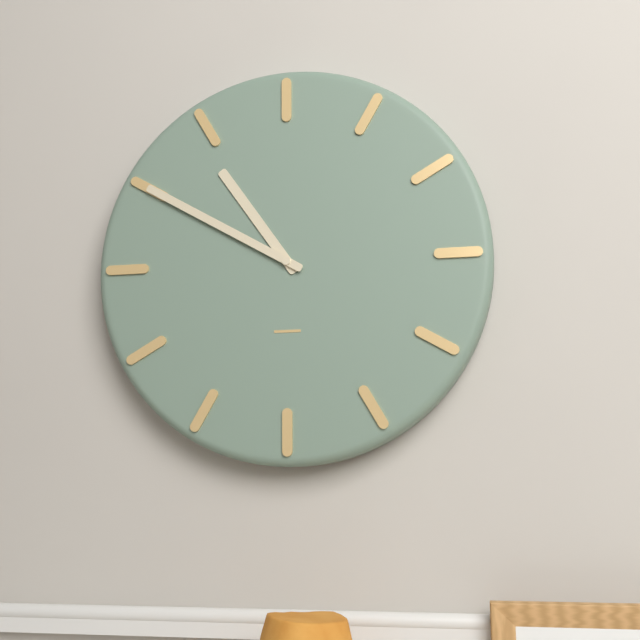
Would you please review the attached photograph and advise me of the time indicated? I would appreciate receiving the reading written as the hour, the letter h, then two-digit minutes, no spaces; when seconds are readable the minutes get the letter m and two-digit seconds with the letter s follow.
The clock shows 10h50
